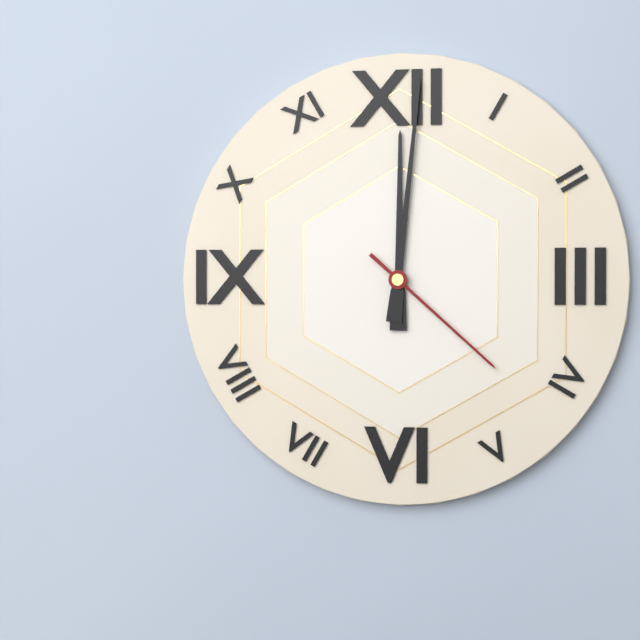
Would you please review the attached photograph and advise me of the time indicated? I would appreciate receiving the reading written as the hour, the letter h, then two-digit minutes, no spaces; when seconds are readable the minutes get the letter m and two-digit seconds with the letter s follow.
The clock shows 12h01m22s
